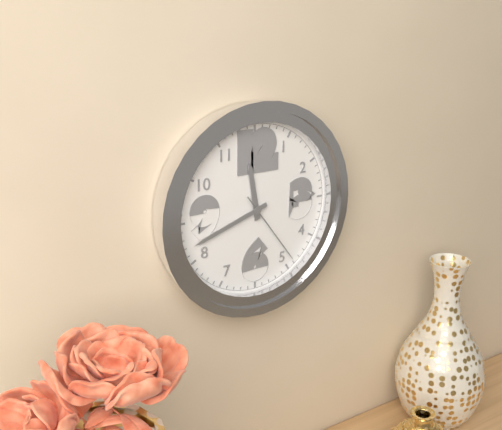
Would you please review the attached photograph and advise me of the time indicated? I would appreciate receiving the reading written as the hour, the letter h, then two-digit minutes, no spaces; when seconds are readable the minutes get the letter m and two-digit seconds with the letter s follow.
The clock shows 11h42m24s
